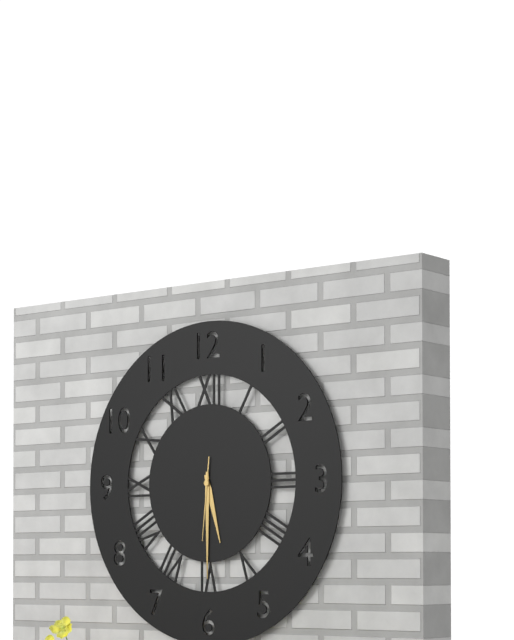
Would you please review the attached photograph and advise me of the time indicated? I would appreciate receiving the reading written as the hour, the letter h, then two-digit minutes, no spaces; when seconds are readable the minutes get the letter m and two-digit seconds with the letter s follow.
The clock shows 5h30m31s
